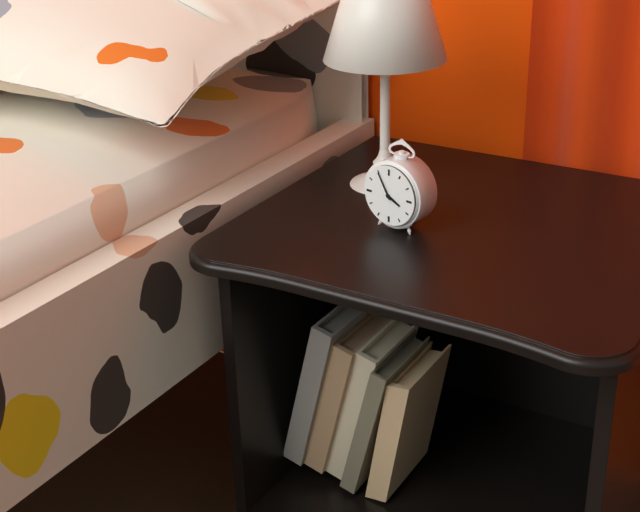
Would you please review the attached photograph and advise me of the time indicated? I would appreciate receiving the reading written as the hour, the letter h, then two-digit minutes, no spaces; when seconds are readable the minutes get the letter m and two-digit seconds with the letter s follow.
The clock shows 3h55
